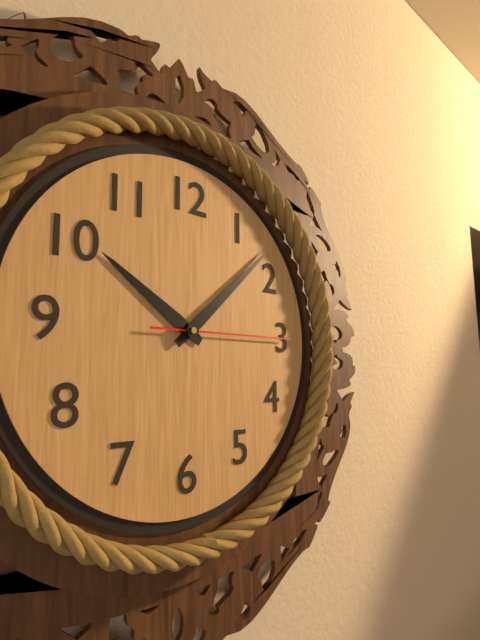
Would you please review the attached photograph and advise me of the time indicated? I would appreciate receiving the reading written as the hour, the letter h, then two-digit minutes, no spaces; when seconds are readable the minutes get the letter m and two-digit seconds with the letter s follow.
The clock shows 10h08m15s
